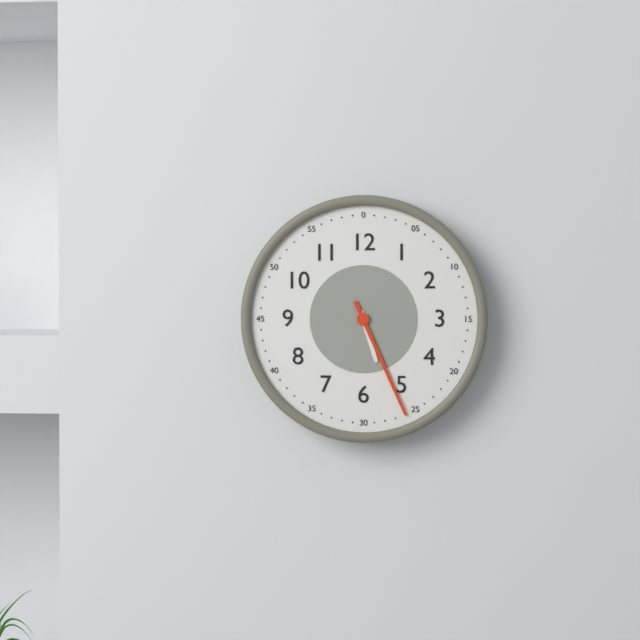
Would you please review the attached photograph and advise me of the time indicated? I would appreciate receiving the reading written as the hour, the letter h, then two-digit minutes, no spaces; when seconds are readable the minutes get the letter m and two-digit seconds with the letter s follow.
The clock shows 5h26
